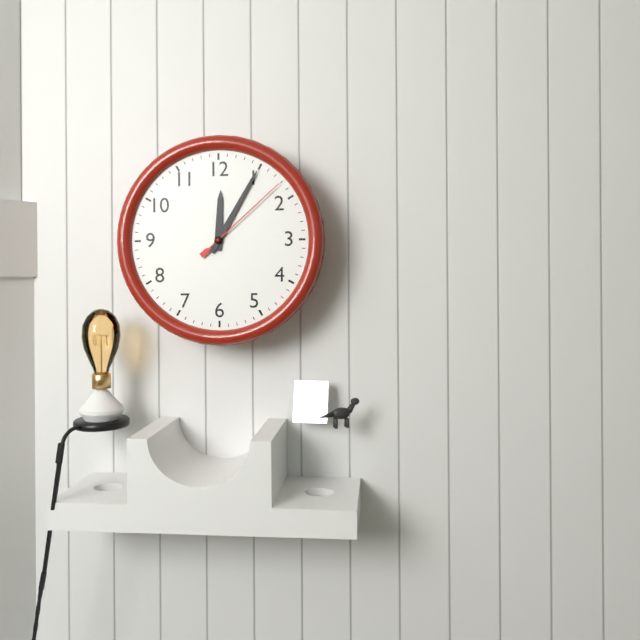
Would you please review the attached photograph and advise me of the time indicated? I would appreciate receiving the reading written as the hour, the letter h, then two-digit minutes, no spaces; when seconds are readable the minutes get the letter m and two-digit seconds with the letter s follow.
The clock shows 12h05m08s
